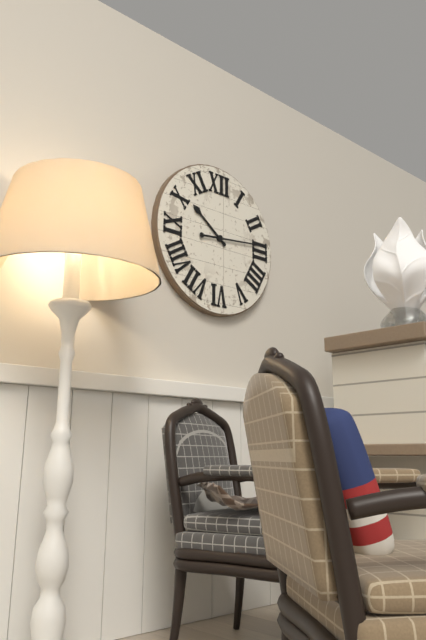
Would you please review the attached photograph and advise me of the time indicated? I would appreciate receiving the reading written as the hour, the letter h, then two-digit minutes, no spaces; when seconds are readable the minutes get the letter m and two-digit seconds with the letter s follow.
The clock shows 10h14
